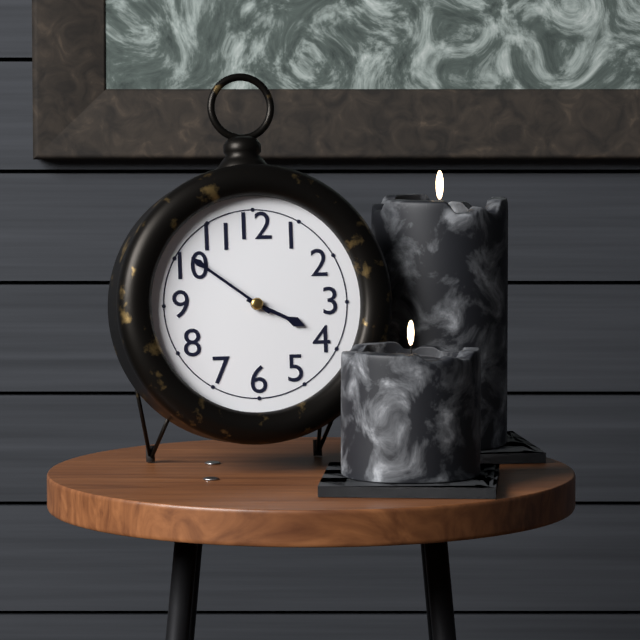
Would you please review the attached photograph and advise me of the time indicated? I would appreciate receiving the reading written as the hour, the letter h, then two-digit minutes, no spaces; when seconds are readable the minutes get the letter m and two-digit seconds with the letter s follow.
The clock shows 3h51
